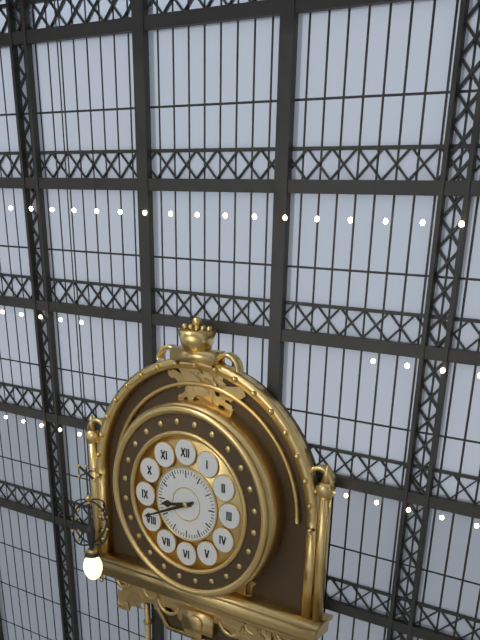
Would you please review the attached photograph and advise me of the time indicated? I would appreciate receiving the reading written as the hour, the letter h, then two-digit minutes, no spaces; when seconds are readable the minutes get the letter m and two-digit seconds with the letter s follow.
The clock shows 8h41
